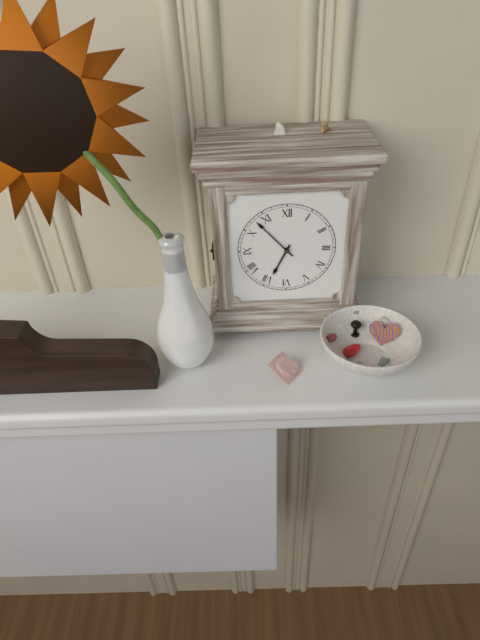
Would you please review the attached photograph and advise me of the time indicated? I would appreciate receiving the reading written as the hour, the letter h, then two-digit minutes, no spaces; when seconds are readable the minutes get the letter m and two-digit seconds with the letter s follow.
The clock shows 6h53
